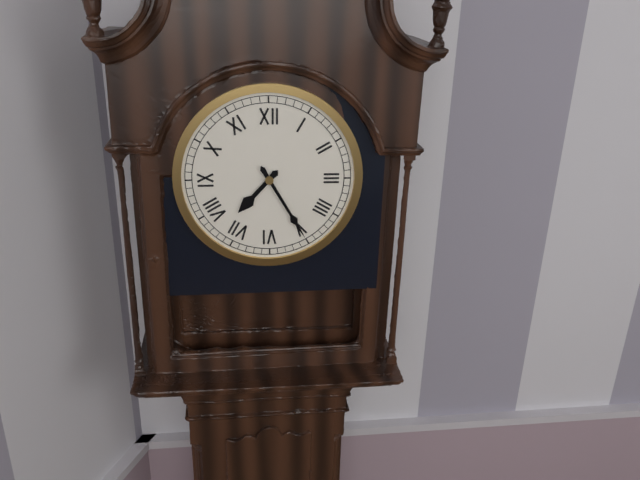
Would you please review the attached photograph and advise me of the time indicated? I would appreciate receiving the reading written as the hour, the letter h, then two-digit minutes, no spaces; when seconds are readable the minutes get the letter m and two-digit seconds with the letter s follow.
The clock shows 7h25
